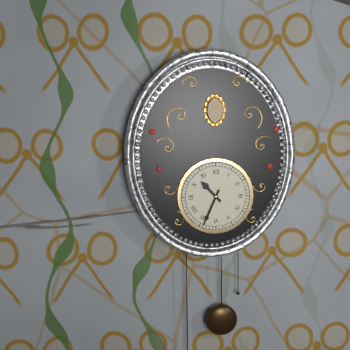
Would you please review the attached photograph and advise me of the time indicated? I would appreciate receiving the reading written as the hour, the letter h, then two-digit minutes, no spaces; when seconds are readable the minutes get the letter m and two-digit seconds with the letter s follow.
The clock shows 10h34
